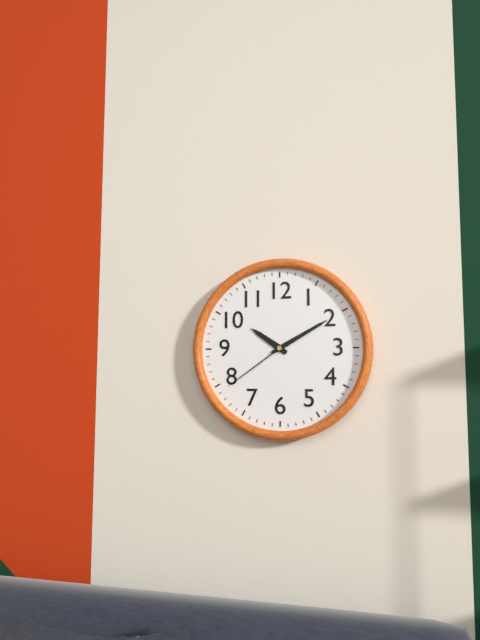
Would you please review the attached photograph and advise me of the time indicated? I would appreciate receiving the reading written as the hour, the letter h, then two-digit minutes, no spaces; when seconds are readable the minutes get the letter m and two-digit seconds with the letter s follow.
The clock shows 10h10m39s
